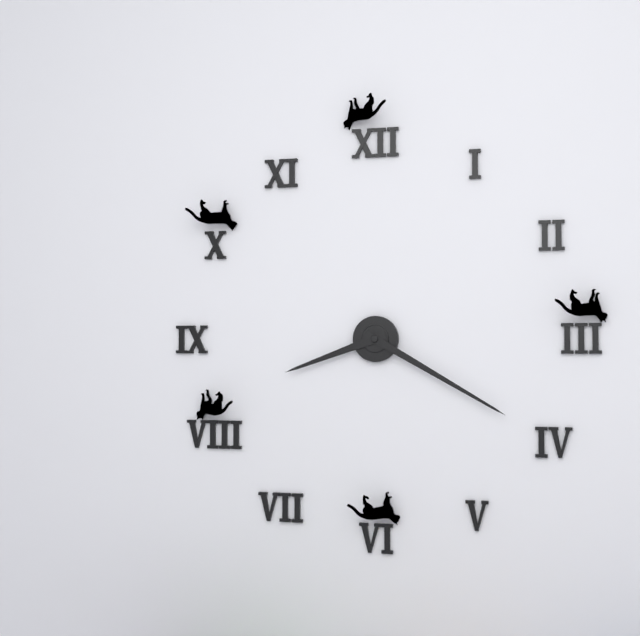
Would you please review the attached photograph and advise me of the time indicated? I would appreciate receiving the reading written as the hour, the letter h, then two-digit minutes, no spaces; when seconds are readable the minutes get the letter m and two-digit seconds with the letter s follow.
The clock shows 8h20
